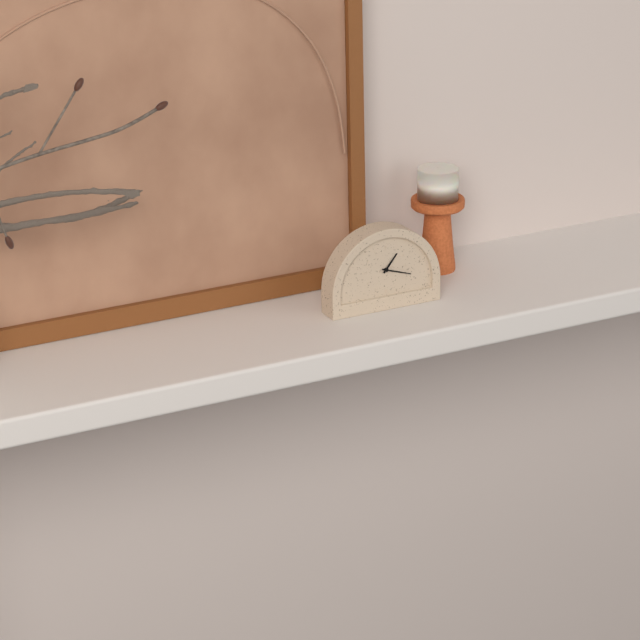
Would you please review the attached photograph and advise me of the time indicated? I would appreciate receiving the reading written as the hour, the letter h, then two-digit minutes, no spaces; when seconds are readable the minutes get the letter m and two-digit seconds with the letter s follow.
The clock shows 1h18
